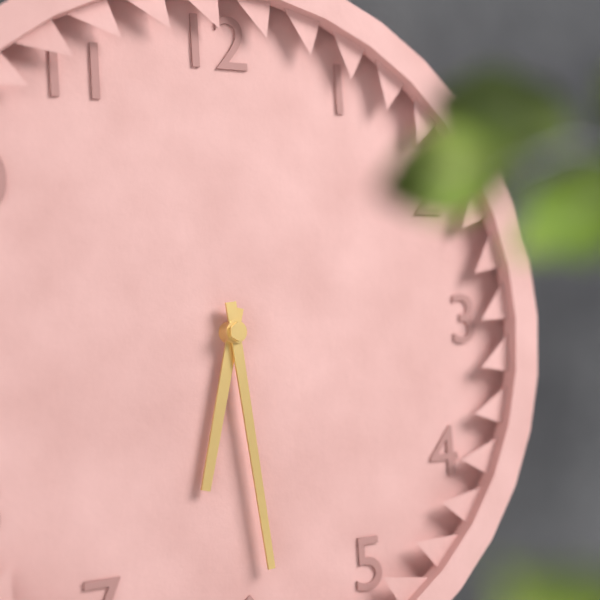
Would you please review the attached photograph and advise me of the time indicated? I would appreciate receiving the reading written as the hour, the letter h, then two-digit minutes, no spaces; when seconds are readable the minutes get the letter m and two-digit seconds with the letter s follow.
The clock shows 6h29
